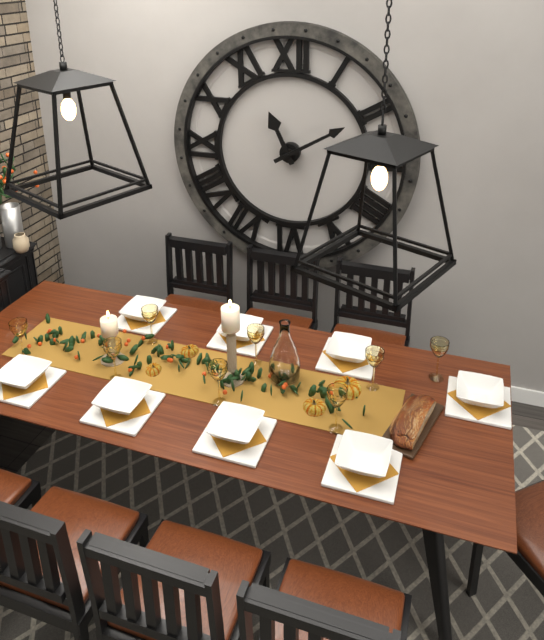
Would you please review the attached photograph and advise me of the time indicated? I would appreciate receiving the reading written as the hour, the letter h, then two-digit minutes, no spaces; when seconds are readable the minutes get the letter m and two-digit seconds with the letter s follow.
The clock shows 11h10
